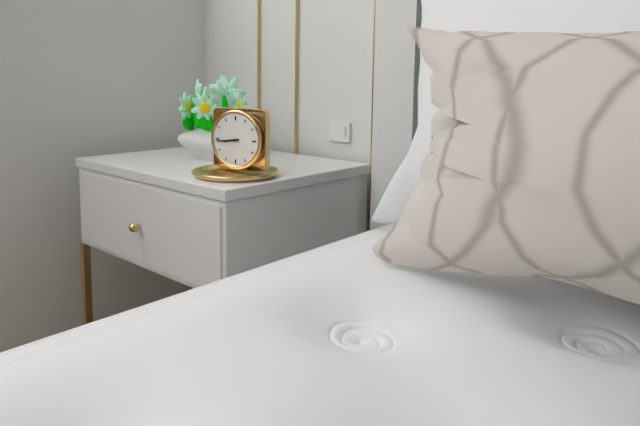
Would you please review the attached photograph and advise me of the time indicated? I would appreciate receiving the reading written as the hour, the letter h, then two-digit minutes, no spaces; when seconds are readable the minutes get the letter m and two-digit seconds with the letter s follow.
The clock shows 8h44
